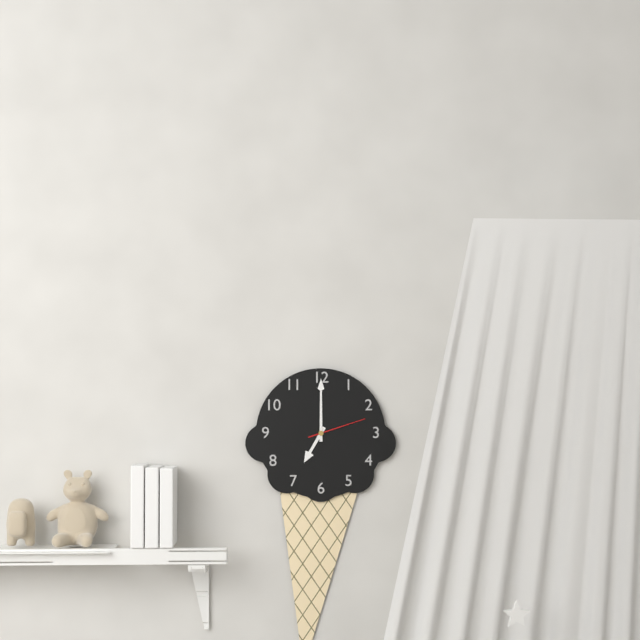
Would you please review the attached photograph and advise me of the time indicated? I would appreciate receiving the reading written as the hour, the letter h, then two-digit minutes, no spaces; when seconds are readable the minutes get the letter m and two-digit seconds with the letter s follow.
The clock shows 7h00m12s
